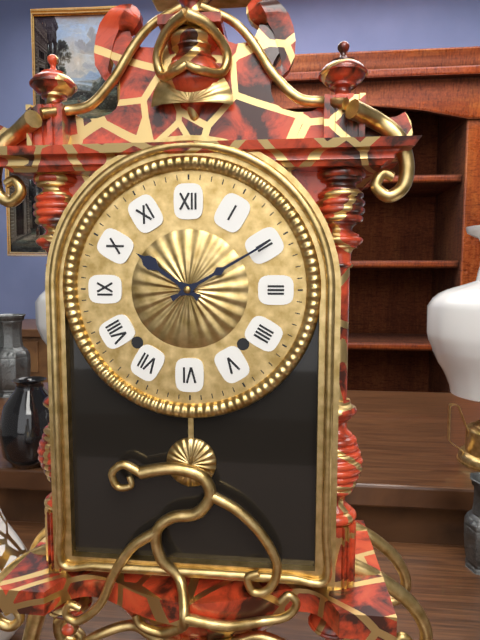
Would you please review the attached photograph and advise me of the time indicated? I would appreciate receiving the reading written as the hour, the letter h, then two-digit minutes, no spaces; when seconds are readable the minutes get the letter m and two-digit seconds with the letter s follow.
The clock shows 10h10
